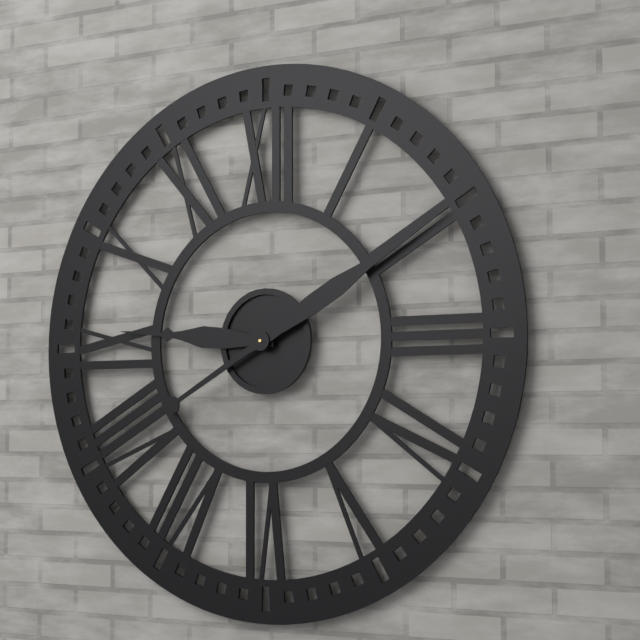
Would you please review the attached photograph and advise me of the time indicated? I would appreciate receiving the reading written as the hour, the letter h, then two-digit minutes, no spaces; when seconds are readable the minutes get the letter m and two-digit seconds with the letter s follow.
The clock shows 9h10
